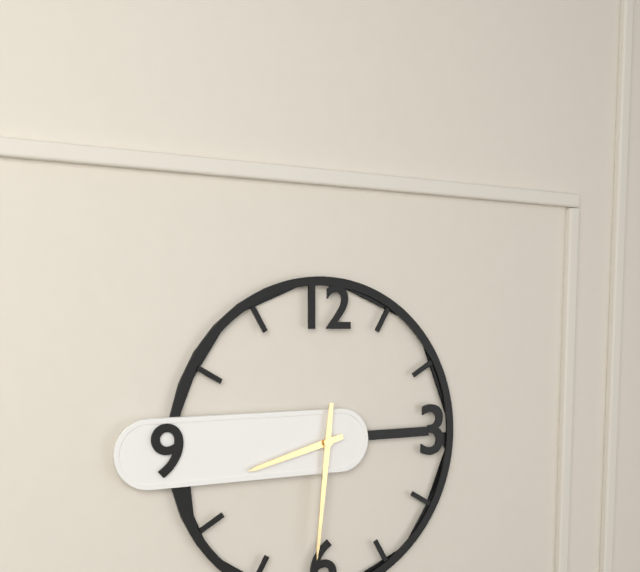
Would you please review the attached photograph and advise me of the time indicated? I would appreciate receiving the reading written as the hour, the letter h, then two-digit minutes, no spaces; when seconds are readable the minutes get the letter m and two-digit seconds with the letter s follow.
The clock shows 8h31
